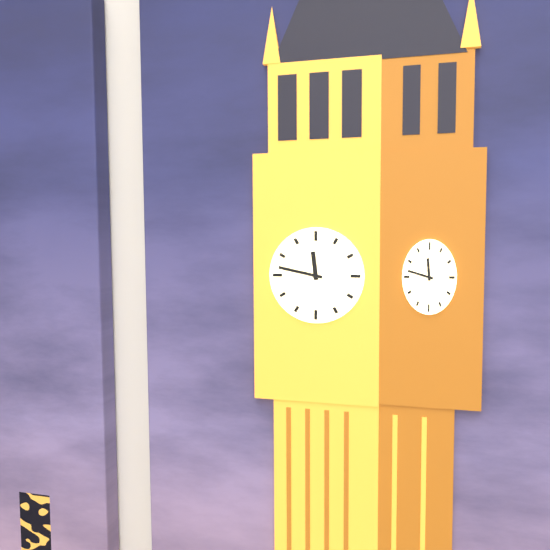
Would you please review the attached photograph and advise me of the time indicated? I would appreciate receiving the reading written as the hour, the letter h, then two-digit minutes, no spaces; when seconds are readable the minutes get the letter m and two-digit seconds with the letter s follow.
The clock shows 11h47
